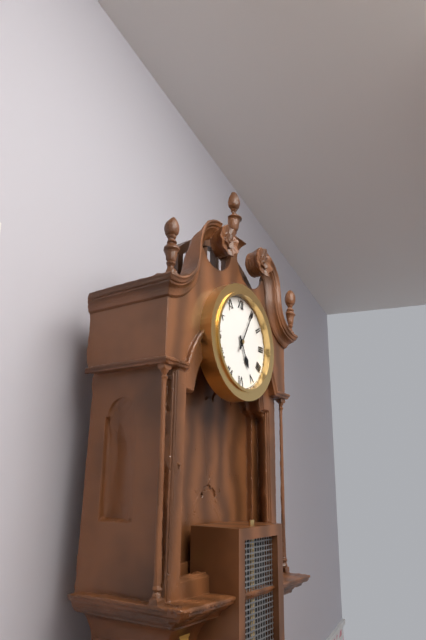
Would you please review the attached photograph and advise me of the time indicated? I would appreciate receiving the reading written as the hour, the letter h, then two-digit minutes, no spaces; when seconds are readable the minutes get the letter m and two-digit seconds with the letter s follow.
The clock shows 5h05
